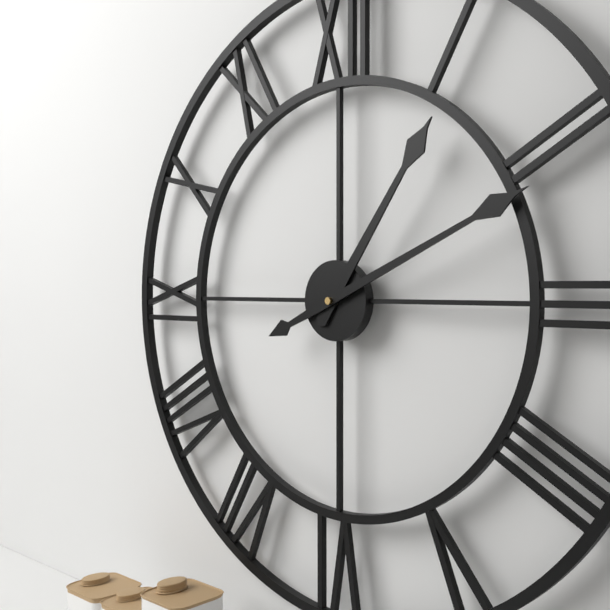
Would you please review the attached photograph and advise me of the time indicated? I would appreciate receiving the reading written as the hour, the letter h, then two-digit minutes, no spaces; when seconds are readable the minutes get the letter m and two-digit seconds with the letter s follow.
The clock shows 1h11
